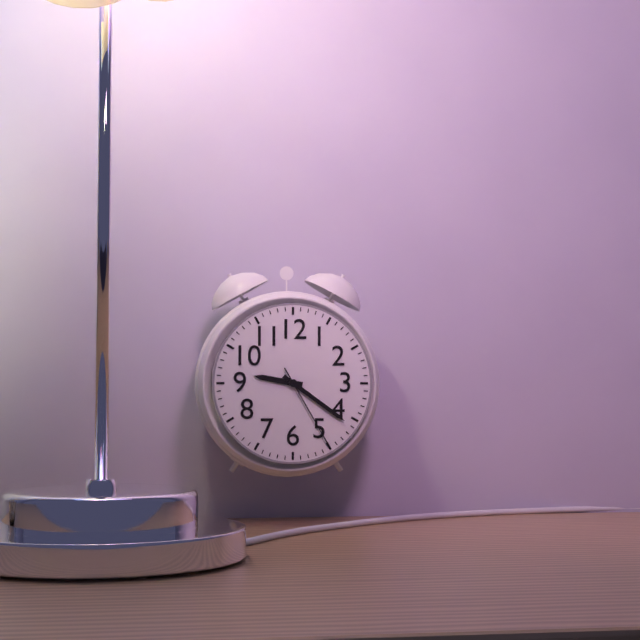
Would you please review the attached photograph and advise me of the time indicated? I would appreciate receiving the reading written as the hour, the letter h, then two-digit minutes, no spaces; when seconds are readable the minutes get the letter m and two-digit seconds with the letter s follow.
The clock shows 9h21m25s
